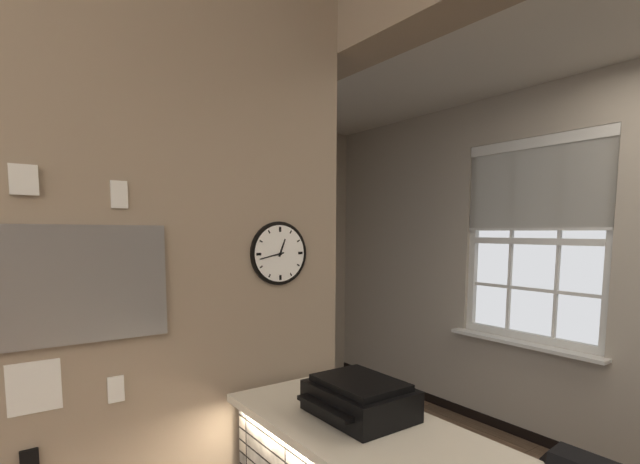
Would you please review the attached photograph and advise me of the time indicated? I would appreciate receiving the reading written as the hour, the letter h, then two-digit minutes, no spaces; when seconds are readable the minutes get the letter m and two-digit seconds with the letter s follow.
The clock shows 12h43
